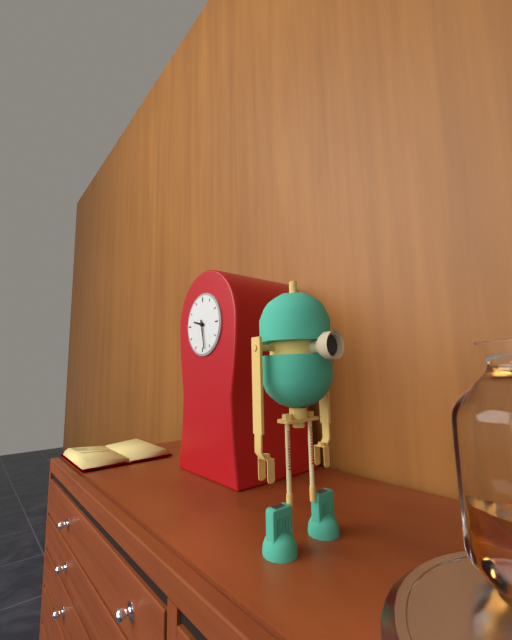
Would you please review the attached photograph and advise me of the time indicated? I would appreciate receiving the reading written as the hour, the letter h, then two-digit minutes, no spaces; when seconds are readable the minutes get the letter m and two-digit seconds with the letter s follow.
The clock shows 9h28
